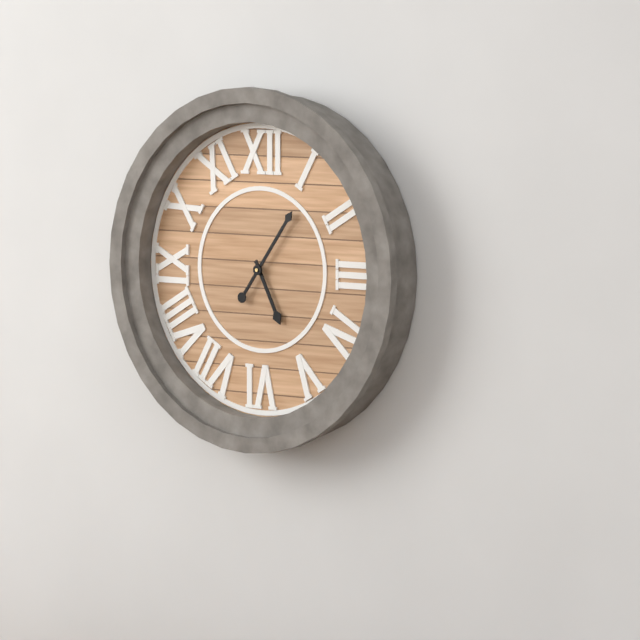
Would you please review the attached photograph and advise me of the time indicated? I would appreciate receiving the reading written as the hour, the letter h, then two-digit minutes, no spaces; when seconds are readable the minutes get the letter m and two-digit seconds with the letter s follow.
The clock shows 5h06
